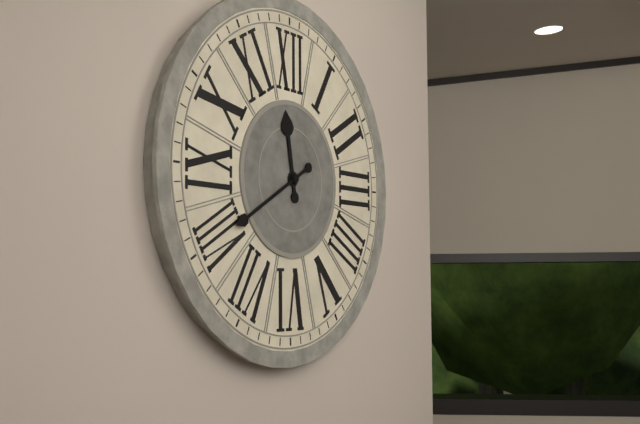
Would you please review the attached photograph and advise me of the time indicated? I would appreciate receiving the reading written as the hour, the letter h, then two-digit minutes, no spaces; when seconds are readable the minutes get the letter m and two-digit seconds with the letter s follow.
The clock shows 11h40
